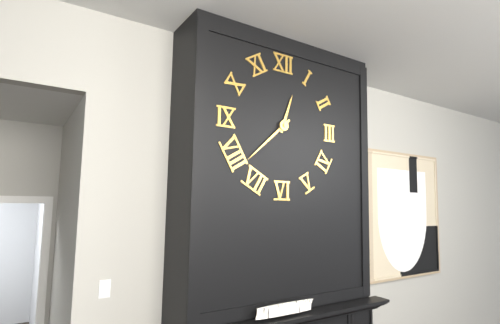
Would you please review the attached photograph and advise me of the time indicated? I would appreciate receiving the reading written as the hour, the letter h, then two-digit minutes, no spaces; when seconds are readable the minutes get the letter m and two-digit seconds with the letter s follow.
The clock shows 12h38
